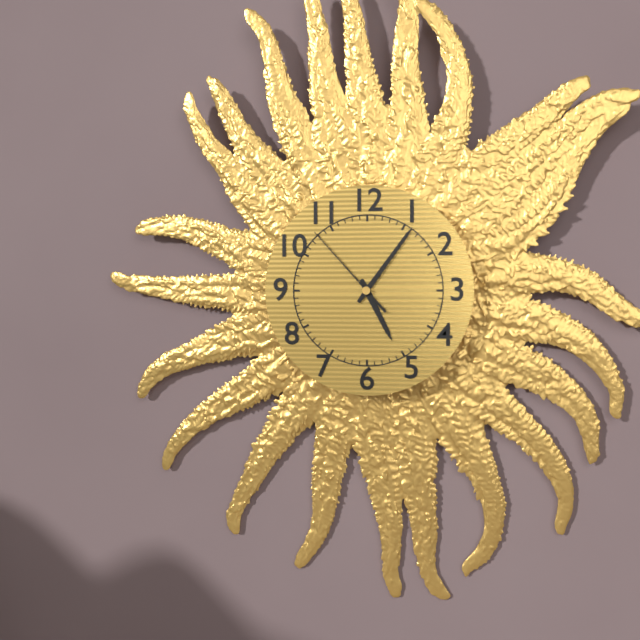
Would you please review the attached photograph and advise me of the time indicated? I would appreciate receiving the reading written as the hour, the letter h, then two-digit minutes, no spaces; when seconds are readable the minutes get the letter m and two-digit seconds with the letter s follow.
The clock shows 5h06m53s
